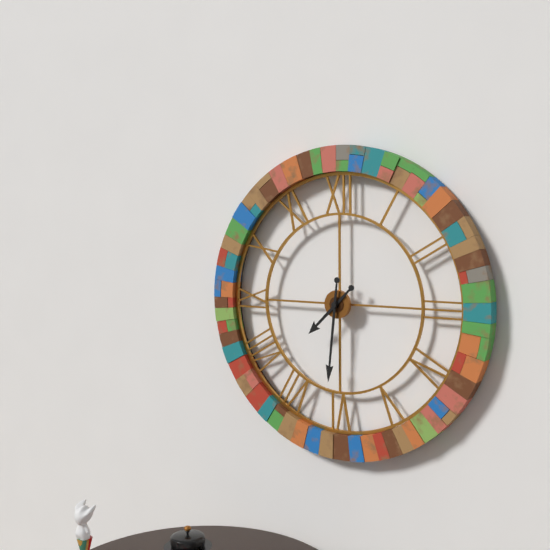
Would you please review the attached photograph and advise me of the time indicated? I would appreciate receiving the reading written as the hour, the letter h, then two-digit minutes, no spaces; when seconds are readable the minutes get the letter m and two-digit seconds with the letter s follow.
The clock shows 7h31
